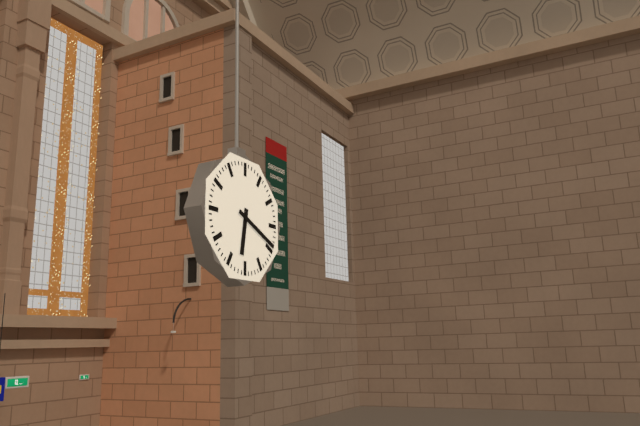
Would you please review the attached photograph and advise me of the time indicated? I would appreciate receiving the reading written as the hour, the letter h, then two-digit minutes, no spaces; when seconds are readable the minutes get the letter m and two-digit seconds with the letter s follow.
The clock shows 6h19
